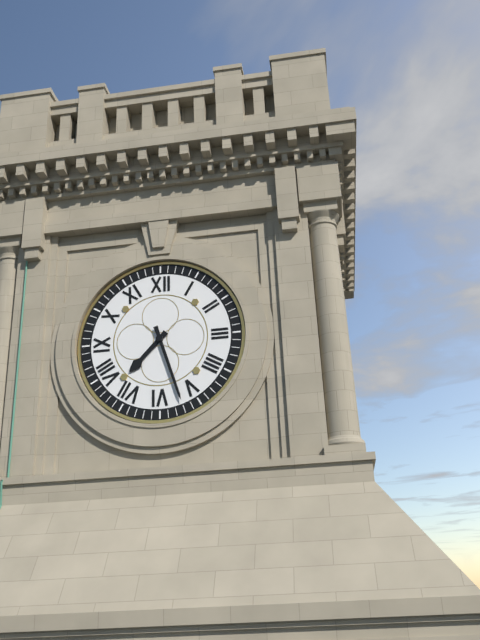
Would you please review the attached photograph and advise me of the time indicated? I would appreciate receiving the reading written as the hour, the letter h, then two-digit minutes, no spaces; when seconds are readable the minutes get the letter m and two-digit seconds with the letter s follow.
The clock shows 7h27
